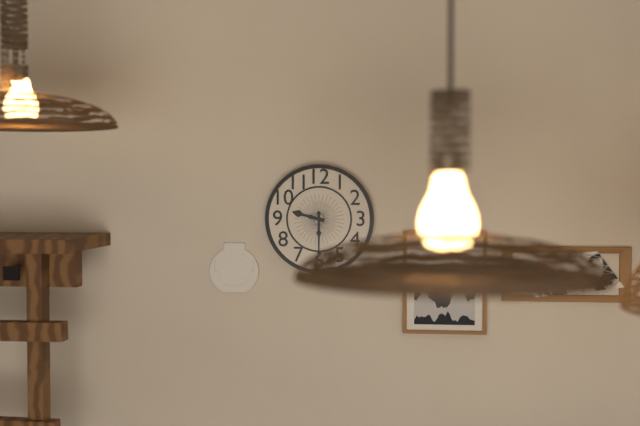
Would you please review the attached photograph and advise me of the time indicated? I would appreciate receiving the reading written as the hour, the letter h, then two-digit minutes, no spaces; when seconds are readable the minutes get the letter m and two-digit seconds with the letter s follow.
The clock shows 9h30
